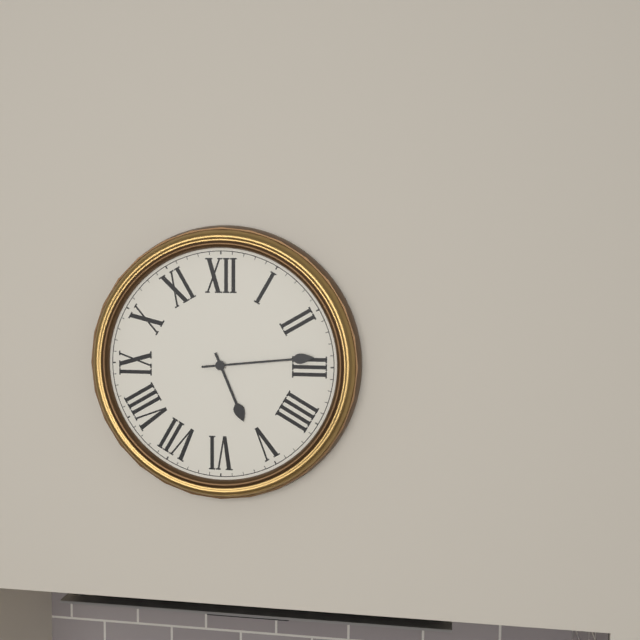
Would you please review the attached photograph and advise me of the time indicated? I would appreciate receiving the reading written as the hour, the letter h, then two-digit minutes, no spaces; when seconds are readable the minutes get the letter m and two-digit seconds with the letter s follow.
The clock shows 5h14
